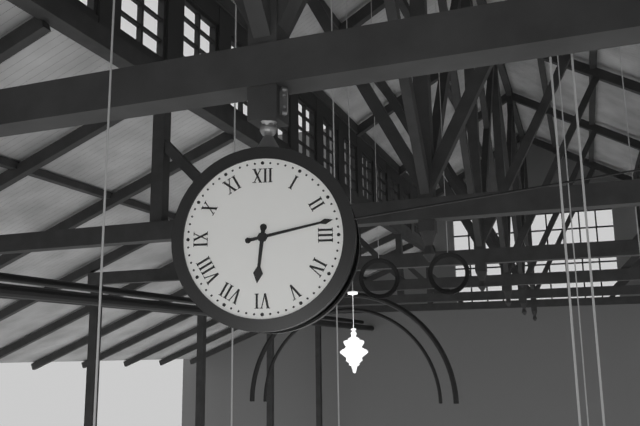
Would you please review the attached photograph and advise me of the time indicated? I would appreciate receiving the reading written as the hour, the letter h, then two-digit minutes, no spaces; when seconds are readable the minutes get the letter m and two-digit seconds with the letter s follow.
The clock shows 6h13
